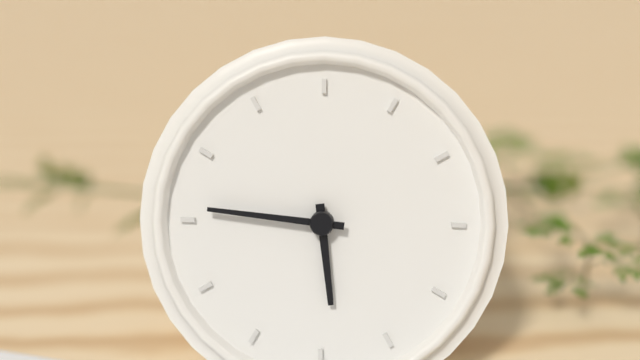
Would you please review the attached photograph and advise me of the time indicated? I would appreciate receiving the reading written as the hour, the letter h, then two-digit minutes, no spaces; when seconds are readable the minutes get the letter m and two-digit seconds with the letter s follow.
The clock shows 5h46
